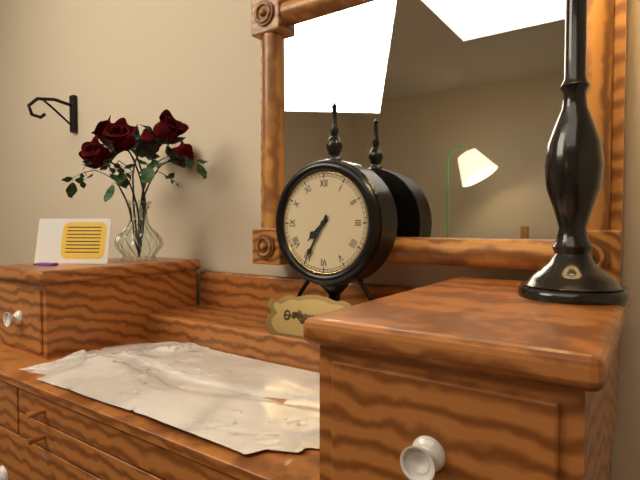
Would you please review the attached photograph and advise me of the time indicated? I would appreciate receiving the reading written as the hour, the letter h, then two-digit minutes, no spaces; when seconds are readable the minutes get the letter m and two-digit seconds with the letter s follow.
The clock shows 7h35
